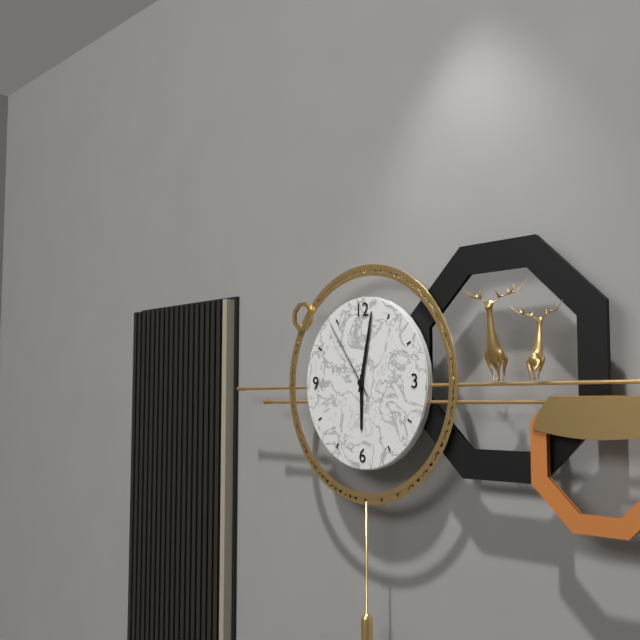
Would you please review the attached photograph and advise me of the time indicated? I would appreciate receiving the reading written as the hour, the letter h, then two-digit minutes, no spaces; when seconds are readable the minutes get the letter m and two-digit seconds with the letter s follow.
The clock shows 6h02m54s
